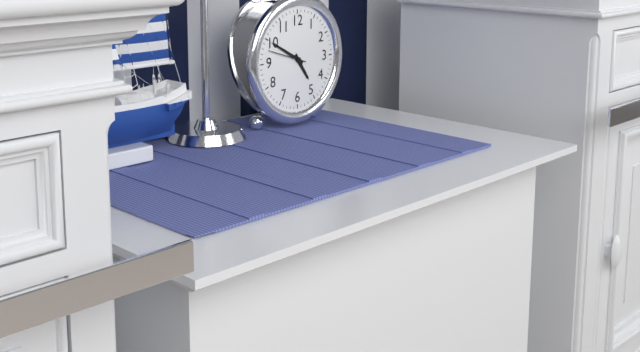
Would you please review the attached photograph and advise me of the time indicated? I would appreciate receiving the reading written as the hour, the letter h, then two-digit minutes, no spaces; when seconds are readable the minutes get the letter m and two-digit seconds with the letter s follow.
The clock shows 4h50
